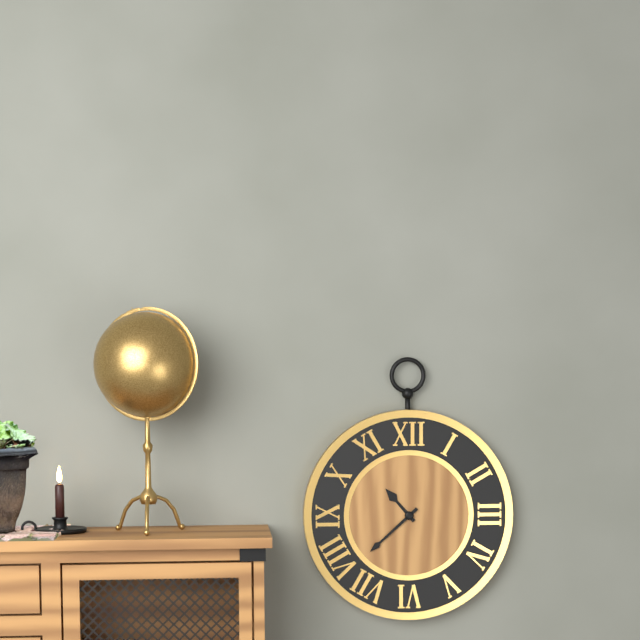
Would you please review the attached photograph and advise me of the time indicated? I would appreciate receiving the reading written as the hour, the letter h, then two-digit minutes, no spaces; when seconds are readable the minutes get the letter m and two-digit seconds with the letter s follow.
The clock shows 10h38
